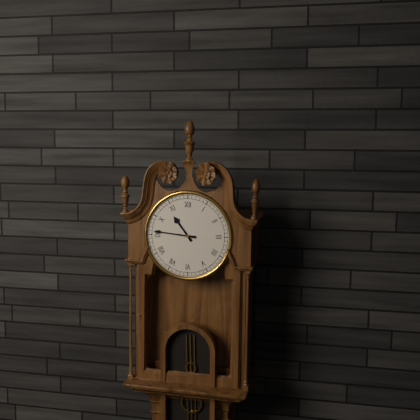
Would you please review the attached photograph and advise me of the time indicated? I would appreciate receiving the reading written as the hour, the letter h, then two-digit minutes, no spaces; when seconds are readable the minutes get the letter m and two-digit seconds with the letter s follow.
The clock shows 10h46
